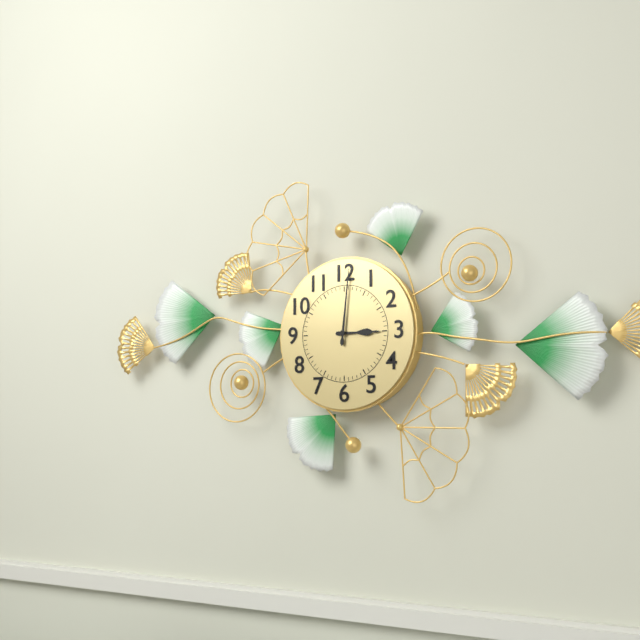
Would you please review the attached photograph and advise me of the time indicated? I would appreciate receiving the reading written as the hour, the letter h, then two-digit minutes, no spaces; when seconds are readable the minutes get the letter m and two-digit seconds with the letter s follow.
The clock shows 3h01
